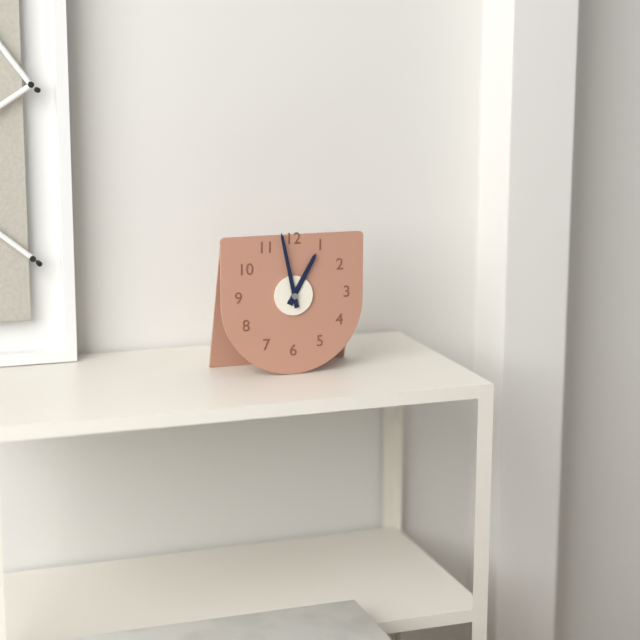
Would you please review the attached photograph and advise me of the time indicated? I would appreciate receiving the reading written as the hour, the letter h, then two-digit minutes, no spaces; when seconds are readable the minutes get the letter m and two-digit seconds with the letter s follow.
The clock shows 12h58
